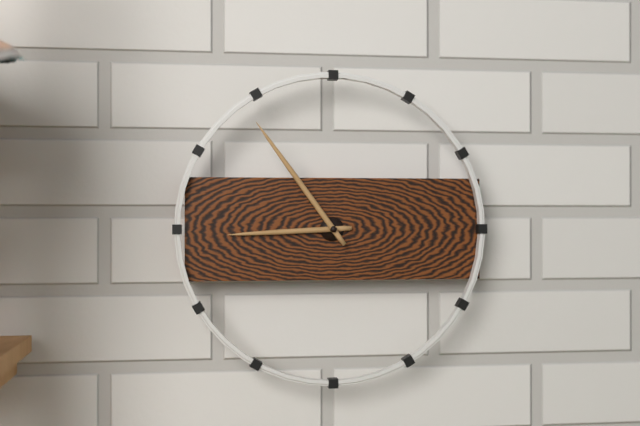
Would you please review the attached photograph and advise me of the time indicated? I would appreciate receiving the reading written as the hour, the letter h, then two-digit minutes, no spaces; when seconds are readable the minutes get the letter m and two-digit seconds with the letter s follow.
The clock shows 8h54
